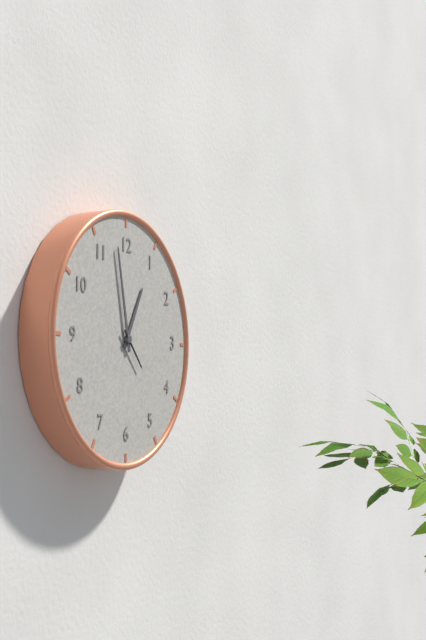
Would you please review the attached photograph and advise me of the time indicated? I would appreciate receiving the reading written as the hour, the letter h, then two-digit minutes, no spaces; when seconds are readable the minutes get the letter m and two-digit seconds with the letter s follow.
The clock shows 12h58
